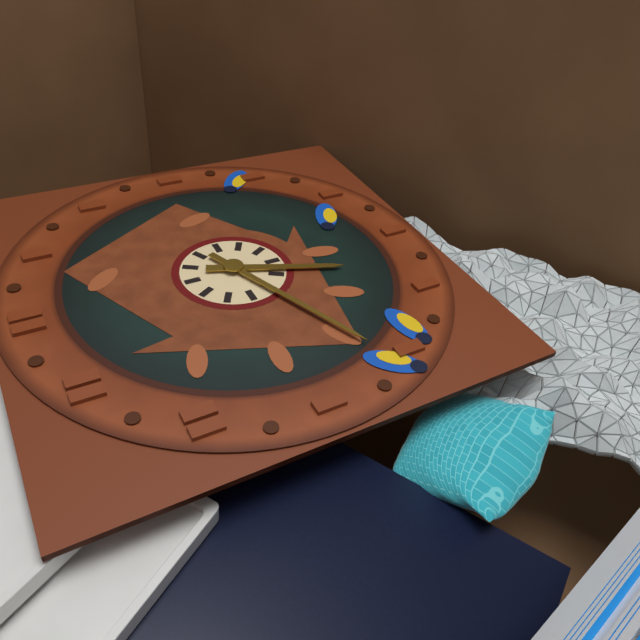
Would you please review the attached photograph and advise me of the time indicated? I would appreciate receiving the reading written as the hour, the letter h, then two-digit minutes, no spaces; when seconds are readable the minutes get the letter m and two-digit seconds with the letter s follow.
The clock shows 6h41
